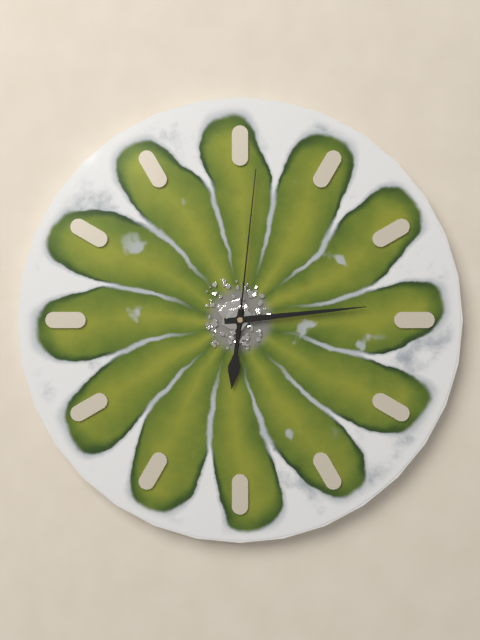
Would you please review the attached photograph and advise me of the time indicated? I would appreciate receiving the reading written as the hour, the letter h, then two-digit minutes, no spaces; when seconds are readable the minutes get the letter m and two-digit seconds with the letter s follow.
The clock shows 6h14m01s
